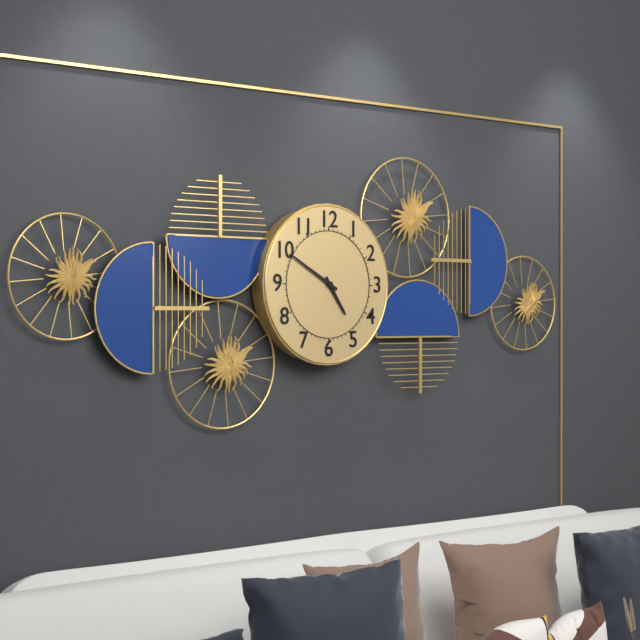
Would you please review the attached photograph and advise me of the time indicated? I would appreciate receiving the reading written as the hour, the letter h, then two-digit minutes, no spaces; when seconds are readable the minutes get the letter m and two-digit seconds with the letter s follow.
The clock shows 4h50
